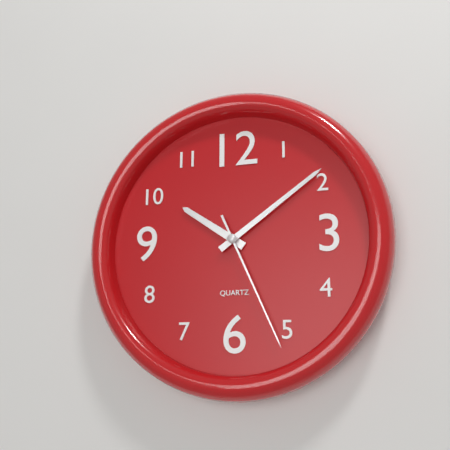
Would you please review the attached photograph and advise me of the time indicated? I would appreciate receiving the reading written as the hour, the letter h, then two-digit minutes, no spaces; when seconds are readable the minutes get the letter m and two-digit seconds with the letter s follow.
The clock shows 10h09m26s
